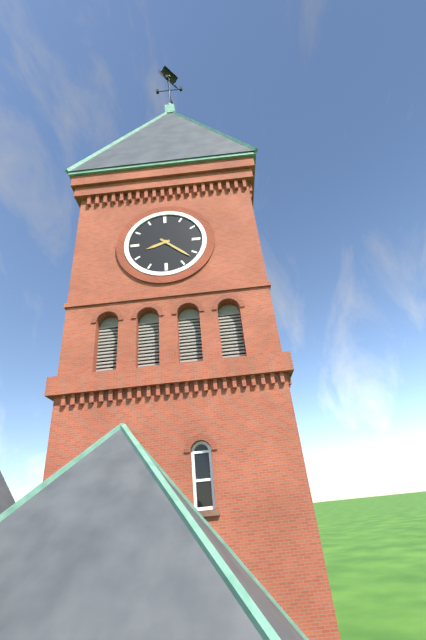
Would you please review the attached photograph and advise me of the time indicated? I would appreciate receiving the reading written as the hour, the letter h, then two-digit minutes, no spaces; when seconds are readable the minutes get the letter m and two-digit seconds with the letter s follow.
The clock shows 8h22
